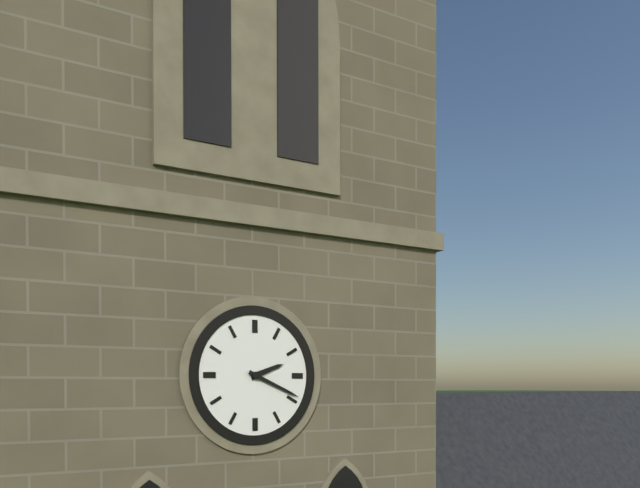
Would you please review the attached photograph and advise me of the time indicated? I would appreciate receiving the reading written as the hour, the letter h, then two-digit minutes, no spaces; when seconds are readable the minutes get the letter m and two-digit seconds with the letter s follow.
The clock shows 2h19
